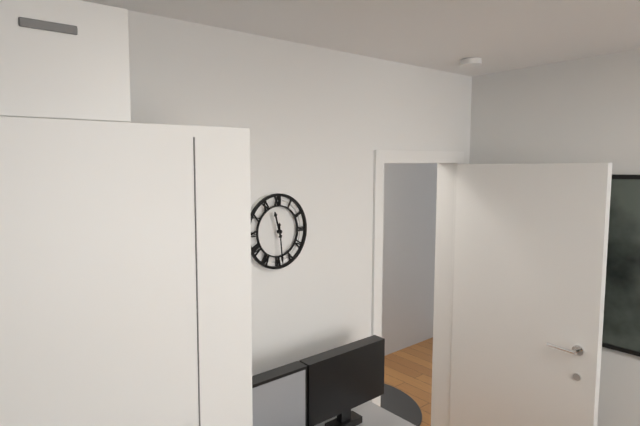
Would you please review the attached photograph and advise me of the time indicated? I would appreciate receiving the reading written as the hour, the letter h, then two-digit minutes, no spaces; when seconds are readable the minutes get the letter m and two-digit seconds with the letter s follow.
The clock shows 11h29
